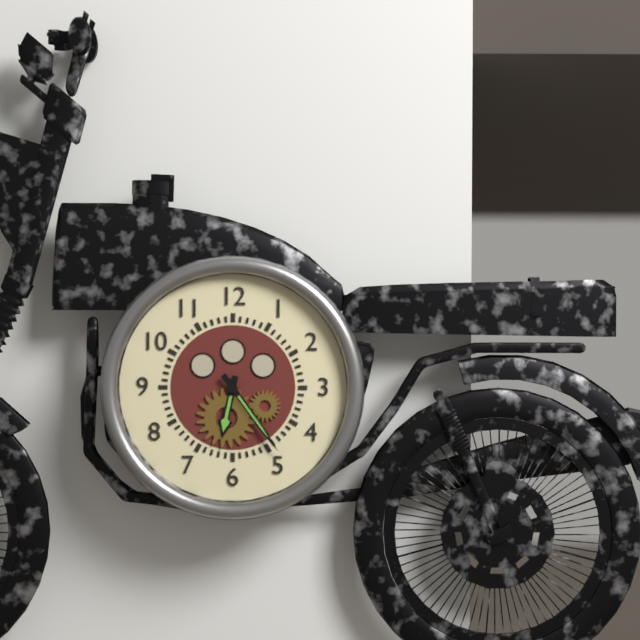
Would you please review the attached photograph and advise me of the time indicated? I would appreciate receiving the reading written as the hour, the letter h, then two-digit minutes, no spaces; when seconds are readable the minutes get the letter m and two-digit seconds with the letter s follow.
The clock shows 6h24
